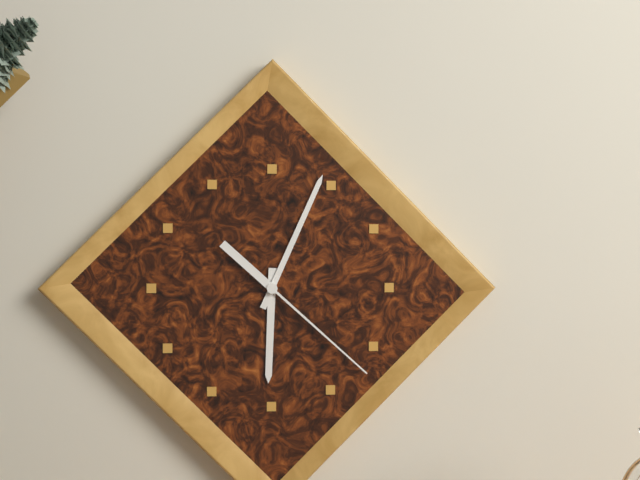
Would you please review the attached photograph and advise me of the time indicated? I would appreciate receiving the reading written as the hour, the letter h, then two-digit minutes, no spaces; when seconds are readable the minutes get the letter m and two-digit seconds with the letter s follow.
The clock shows 6h04m22s
